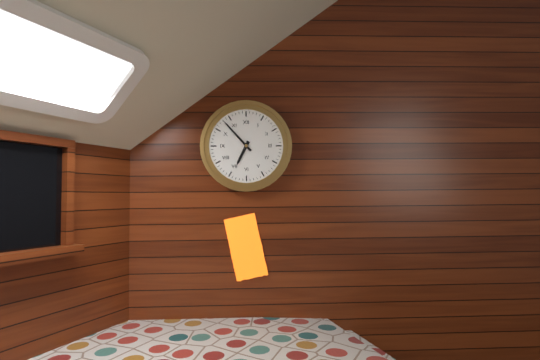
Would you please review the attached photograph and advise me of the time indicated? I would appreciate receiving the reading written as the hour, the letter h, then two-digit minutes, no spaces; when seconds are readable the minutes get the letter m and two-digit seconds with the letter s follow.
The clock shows 6h53
